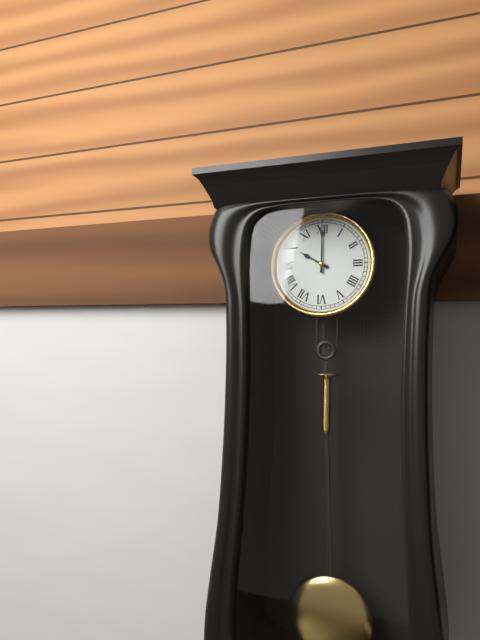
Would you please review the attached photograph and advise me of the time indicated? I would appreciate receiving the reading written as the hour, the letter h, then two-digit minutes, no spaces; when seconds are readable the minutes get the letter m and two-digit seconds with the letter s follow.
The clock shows 10h00
